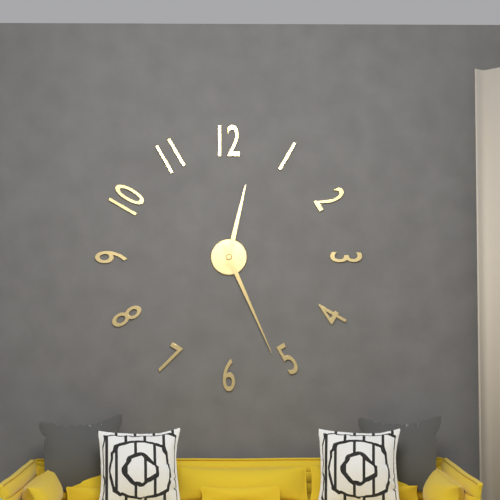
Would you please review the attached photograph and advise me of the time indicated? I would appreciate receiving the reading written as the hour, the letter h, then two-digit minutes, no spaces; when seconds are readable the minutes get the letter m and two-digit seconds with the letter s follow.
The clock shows 12h26
